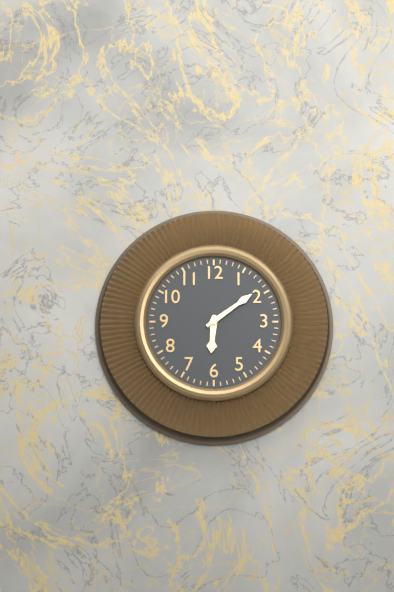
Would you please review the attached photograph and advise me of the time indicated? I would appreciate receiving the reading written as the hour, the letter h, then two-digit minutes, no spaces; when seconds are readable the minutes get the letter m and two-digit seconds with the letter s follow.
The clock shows 6h09
